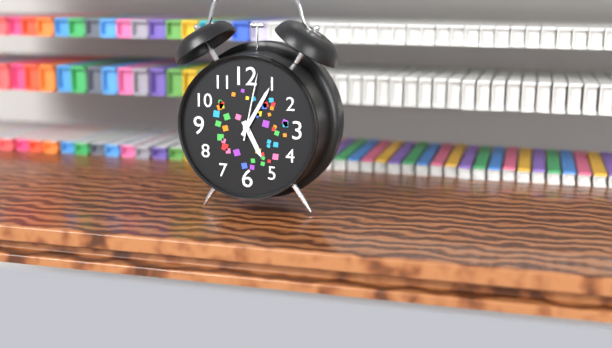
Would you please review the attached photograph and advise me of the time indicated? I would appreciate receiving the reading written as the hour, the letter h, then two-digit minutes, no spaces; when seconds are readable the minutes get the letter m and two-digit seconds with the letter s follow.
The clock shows 5h05m02s
